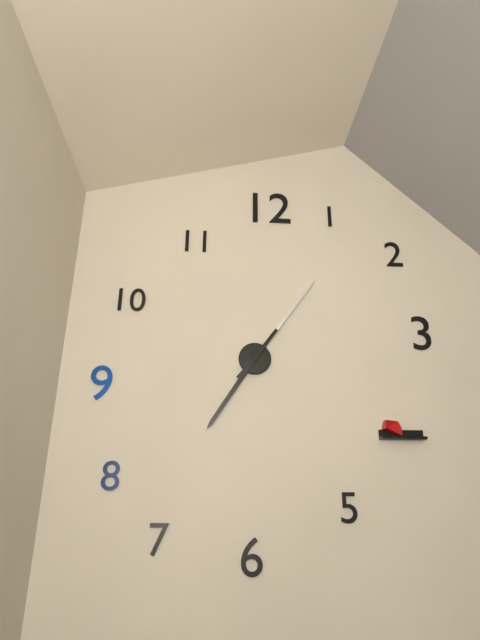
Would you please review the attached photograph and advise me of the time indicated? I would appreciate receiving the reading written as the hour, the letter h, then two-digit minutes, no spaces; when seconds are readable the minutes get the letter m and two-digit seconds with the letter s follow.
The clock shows 7h06
